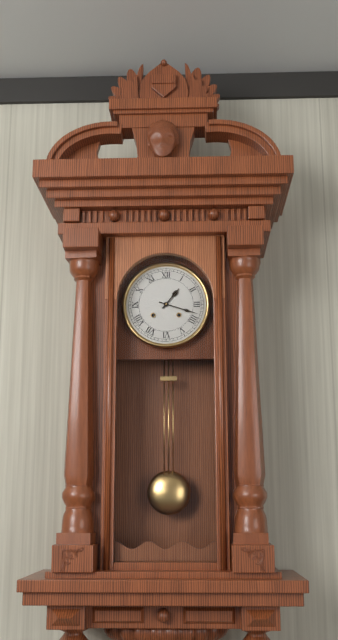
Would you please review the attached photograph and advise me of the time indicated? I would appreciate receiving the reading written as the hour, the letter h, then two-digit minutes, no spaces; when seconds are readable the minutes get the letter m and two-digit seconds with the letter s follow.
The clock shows 1h18
